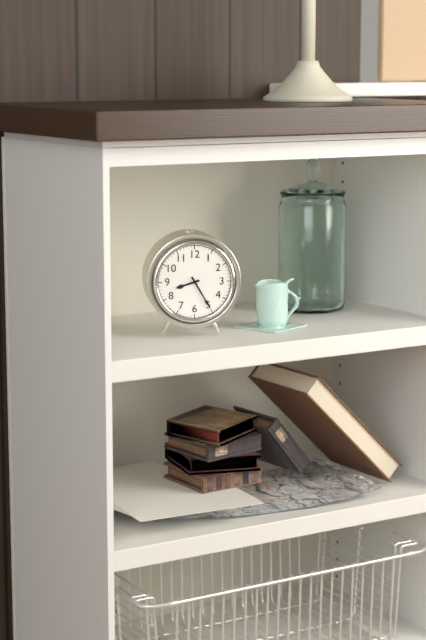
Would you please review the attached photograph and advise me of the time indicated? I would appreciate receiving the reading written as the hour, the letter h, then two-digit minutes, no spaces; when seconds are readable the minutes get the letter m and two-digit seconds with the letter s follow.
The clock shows 8h25
